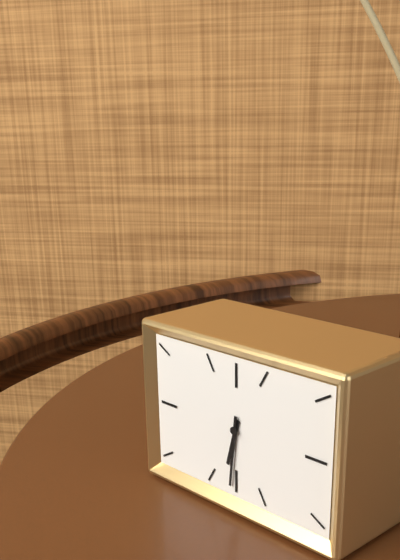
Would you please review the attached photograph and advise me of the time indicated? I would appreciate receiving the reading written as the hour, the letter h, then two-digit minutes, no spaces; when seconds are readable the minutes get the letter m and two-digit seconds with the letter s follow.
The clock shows 6h31
